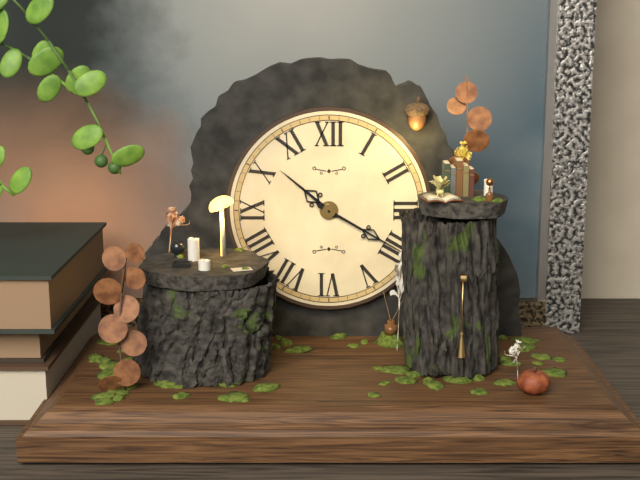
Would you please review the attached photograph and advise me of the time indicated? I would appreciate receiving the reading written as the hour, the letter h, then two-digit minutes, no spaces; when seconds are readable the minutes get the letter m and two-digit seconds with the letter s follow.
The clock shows 10h20
